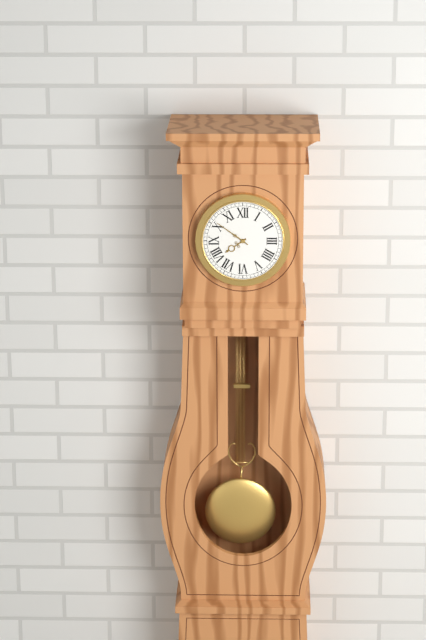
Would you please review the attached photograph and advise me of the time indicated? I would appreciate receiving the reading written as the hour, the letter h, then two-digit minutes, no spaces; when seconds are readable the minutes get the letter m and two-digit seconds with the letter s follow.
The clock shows 7h51
